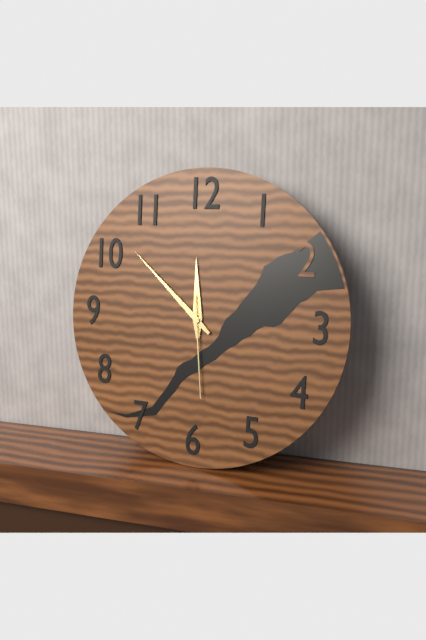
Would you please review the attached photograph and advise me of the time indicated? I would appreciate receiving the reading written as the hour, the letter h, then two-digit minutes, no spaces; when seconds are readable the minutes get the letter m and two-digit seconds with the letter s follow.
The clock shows 11h52m29s
